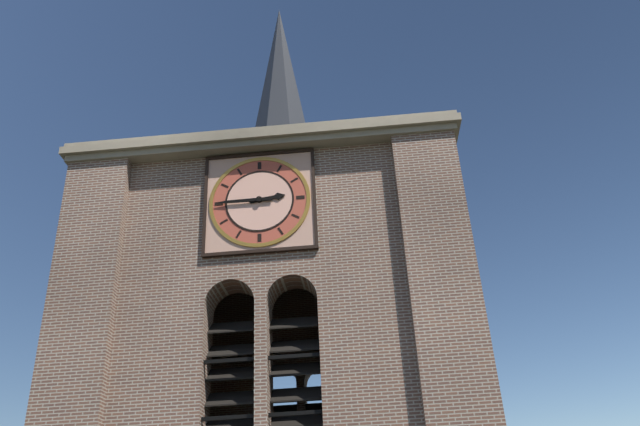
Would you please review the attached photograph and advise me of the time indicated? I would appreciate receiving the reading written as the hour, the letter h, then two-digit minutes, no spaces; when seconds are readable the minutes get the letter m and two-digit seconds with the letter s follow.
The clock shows 2h45
